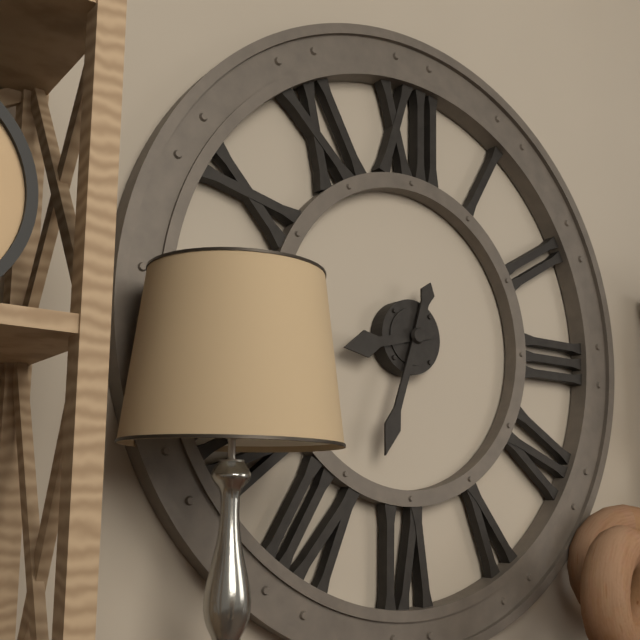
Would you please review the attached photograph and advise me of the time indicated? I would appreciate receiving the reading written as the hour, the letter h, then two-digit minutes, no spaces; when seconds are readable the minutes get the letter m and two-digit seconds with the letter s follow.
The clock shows 8h33
